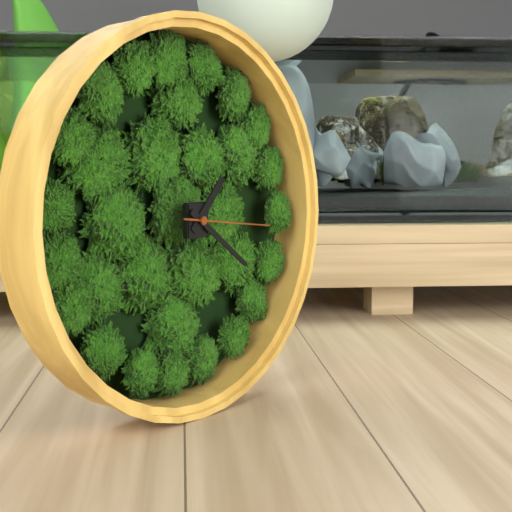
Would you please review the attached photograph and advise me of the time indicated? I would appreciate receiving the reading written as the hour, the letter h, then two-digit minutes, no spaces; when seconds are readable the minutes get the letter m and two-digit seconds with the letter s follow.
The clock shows 1h21m16s
